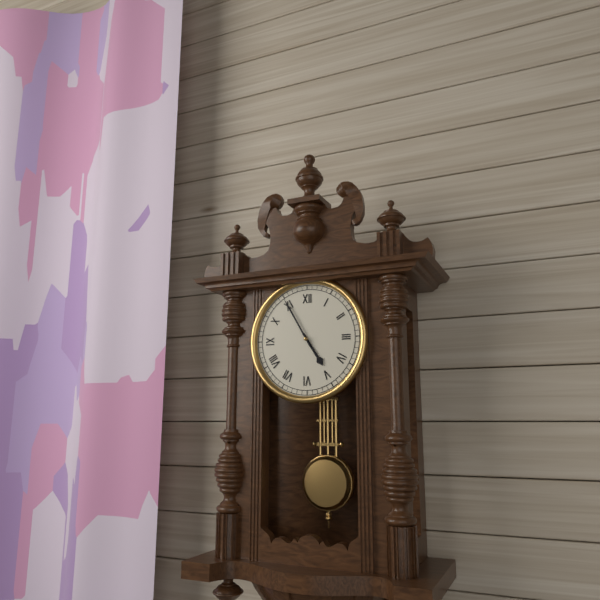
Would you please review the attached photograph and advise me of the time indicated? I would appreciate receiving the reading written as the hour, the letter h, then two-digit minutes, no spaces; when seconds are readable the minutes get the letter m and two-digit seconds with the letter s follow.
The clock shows 4h55
